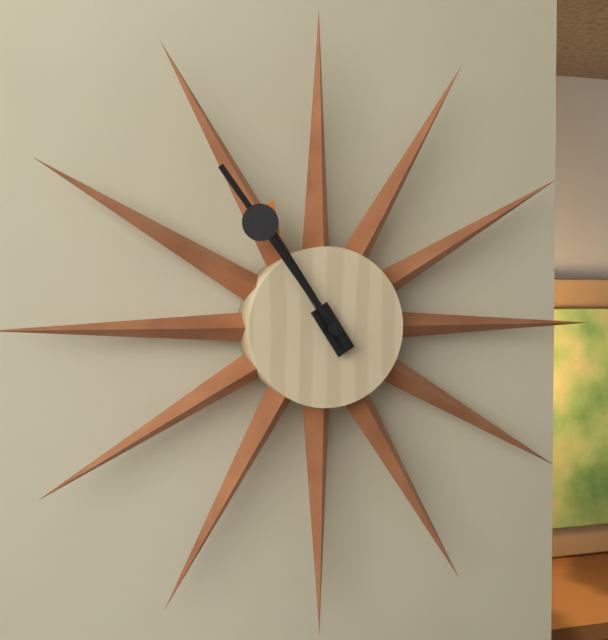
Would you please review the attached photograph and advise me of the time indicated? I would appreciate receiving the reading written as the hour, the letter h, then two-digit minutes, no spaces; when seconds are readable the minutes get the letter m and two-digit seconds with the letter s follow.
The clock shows 10h54
